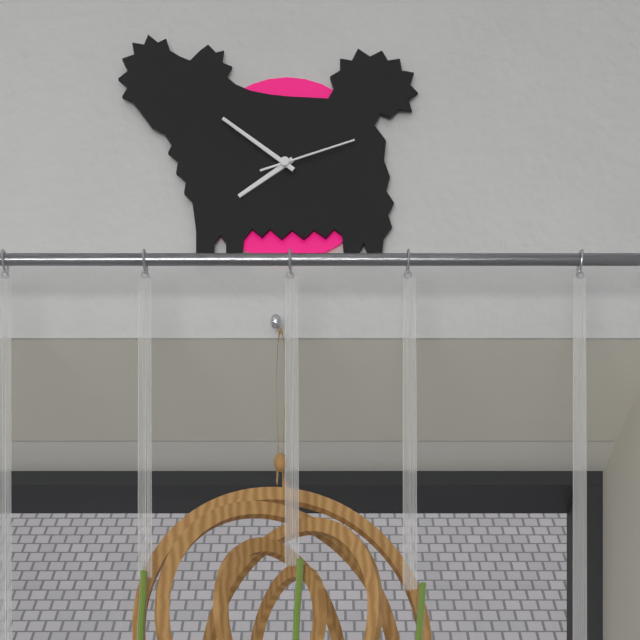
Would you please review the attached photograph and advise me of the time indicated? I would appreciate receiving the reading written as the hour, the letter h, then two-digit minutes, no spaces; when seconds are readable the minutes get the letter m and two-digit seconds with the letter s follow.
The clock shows 7h51m12s
